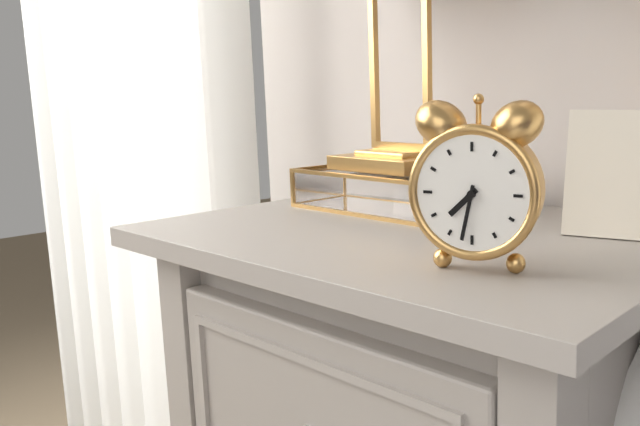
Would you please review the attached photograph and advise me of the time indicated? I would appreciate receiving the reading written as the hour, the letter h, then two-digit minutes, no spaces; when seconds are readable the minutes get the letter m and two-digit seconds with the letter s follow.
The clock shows 7h32
